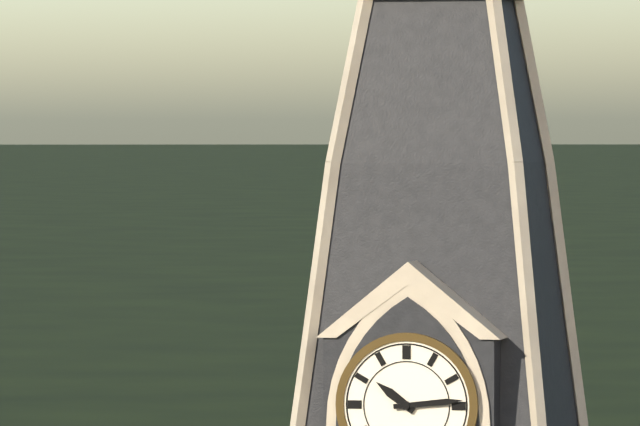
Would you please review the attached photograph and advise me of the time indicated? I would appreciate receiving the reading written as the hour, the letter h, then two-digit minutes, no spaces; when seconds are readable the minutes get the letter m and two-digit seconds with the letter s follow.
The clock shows 10h14
